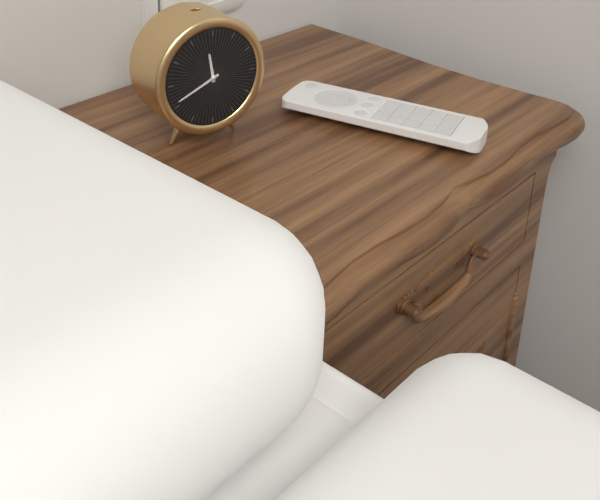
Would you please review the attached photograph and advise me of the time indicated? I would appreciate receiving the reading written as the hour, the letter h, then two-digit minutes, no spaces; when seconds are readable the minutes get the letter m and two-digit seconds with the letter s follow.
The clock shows 11h41
